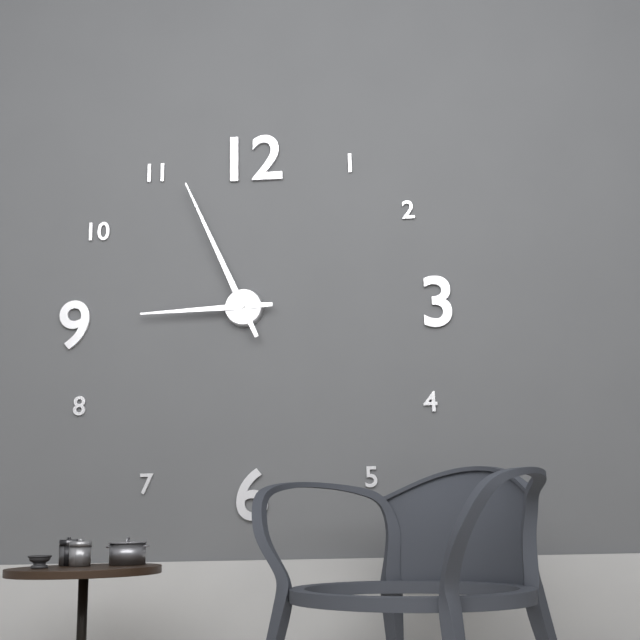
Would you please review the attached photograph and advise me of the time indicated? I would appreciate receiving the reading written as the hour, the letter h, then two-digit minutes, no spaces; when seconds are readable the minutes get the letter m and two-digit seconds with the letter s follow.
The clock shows 8h56
